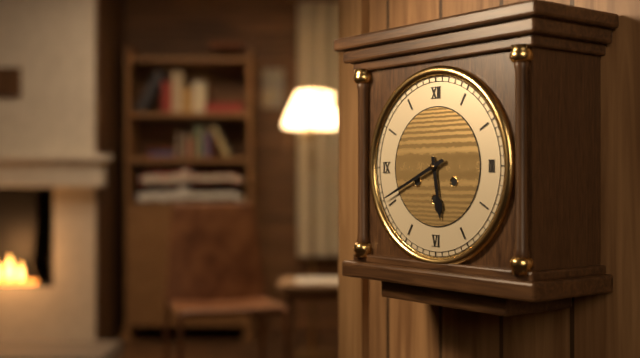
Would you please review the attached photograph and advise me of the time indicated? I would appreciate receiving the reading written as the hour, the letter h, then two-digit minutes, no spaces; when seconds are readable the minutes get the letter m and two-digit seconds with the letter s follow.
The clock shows 5h41
